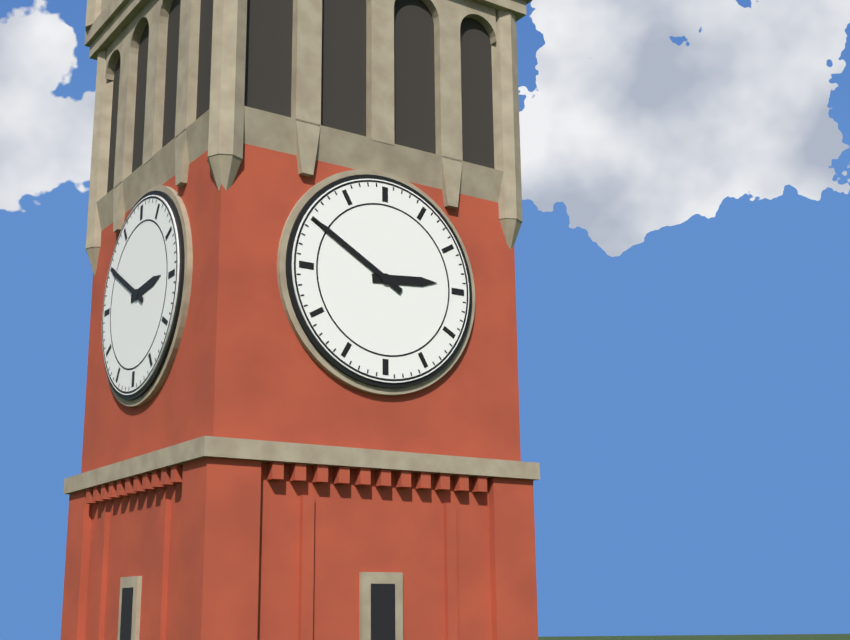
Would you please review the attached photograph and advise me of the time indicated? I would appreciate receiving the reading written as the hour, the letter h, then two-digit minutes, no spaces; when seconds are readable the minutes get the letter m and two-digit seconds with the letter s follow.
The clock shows 2h50
